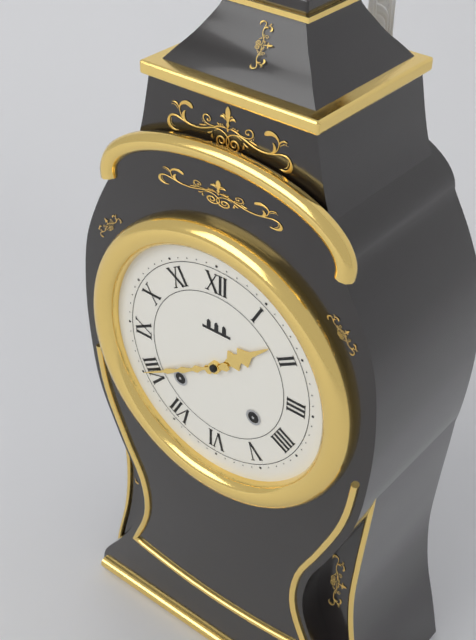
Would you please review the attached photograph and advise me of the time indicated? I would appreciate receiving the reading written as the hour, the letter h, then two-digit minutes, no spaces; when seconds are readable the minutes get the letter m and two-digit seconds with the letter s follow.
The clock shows 1h40
